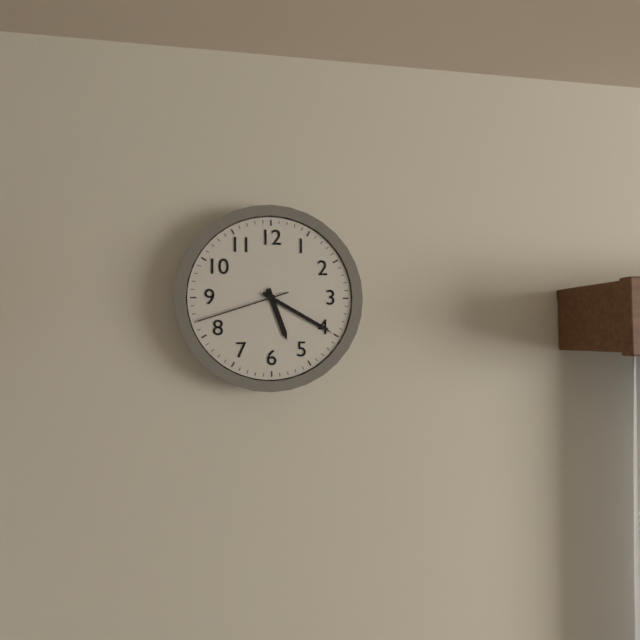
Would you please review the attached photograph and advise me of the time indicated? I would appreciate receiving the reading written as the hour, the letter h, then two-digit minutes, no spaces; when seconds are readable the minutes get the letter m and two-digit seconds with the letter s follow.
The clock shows 5h20m42s
